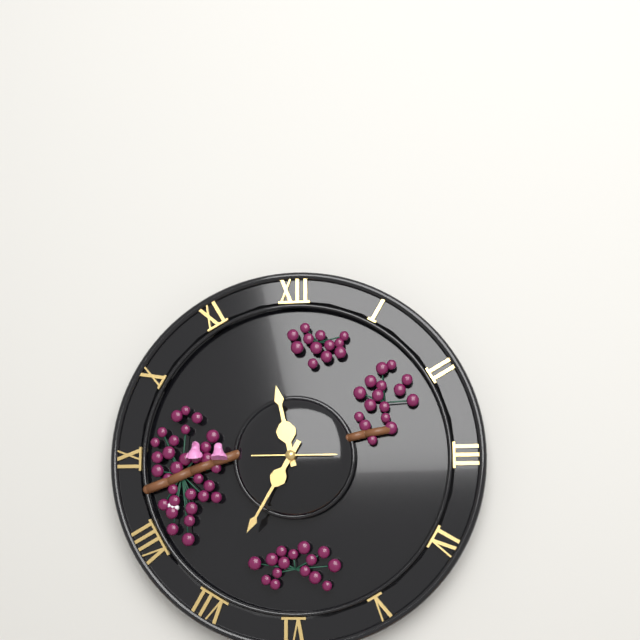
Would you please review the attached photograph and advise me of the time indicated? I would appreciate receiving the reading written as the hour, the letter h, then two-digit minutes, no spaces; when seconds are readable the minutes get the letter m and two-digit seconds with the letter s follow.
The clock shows 11h35m15s
